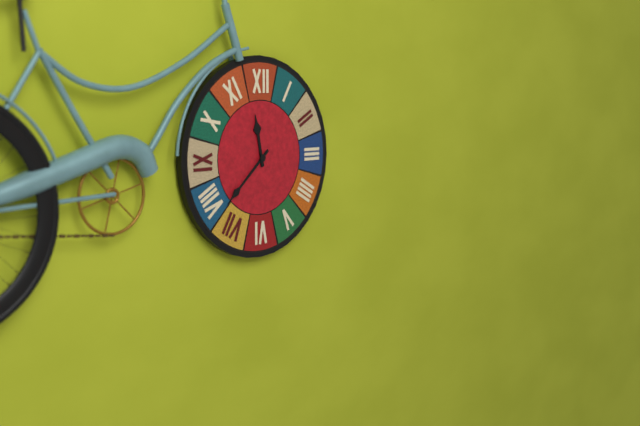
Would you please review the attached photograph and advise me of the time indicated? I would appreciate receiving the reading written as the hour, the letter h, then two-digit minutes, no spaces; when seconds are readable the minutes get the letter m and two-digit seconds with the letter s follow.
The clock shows 11h38
